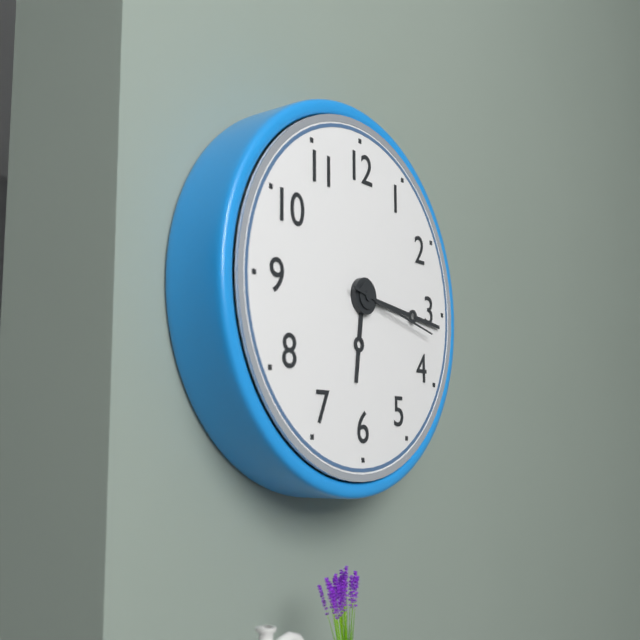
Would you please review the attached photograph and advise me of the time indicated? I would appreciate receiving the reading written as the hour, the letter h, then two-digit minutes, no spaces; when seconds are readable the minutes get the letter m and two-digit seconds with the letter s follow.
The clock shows 6h16m17s
